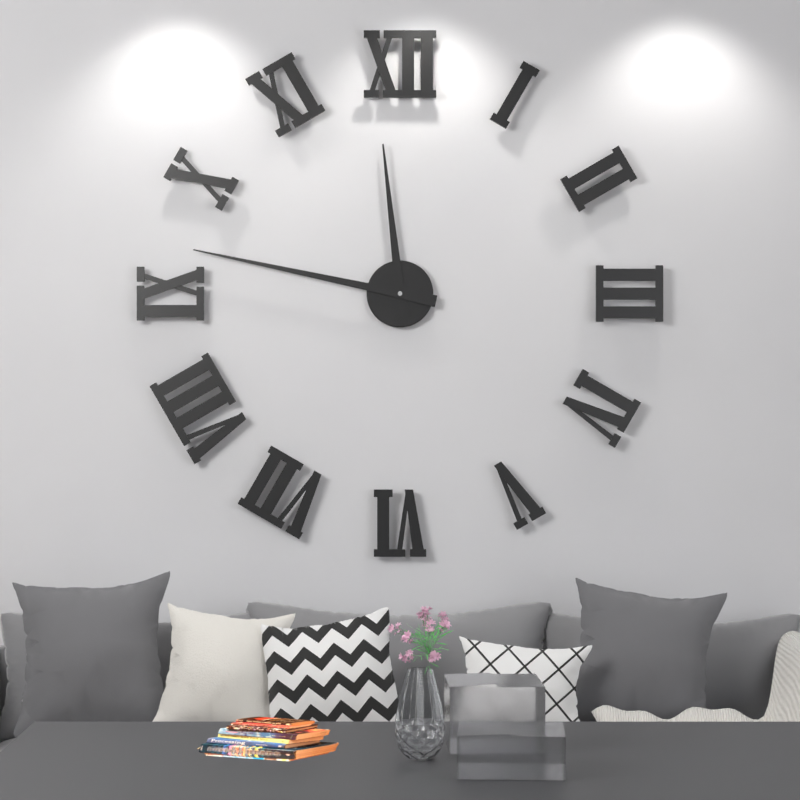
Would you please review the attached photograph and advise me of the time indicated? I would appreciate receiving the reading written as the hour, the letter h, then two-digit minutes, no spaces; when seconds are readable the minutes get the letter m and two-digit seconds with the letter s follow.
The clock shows 11h47
